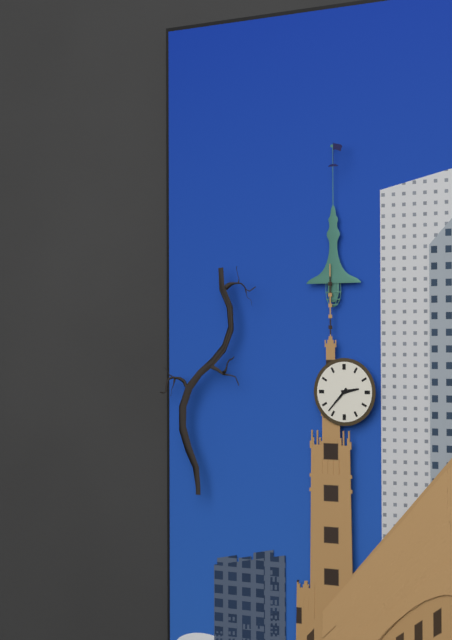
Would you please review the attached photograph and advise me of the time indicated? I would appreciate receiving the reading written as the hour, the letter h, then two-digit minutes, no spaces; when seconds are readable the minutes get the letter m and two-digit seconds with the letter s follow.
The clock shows 2h37
